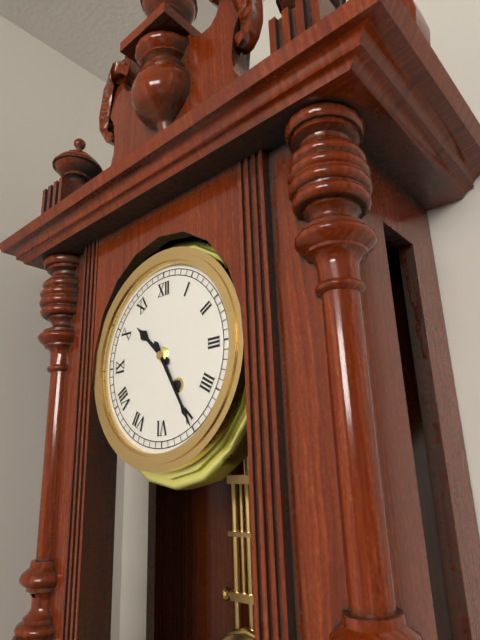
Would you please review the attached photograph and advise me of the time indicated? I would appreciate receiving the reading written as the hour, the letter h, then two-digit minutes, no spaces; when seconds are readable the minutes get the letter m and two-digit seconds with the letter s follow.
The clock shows 10h25
